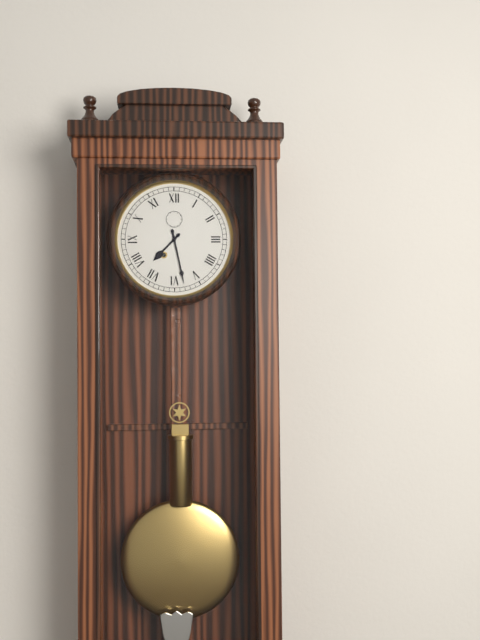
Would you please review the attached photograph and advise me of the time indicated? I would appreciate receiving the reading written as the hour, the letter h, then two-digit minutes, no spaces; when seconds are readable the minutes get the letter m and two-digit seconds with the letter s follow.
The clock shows 7h28
